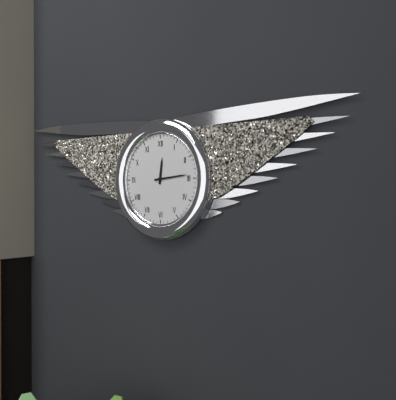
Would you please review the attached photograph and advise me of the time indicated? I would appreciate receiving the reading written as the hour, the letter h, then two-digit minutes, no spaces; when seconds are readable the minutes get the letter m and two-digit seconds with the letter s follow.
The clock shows 12h14
